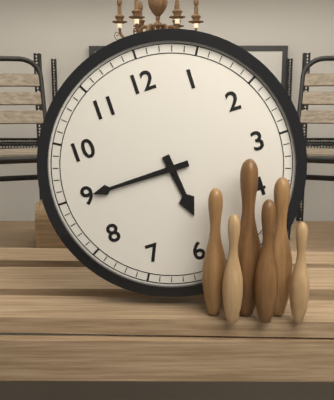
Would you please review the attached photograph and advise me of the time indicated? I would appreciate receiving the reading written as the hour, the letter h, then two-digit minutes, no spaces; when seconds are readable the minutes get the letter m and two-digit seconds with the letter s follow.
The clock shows 5h45
